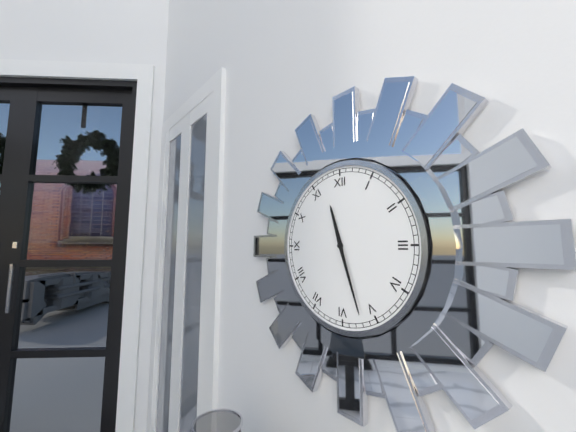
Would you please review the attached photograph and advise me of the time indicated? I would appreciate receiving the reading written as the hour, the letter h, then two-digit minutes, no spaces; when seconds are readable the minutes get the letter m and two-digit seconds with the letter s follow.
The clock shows 11h27
